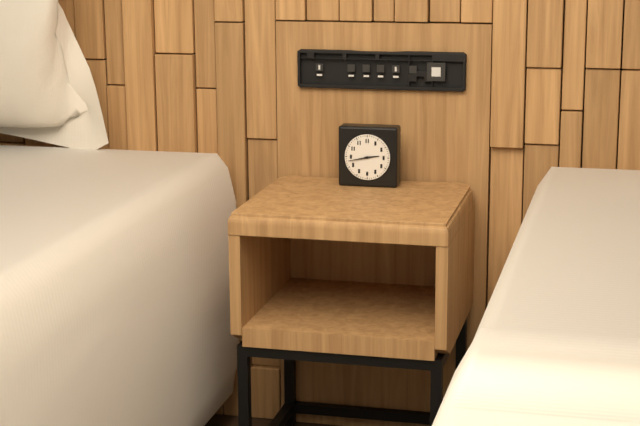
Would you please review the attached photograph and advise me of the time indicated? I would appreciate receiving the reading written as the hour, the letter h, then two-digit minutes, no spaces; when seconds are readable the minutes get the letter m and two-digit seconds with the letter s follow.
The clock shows 2h43
